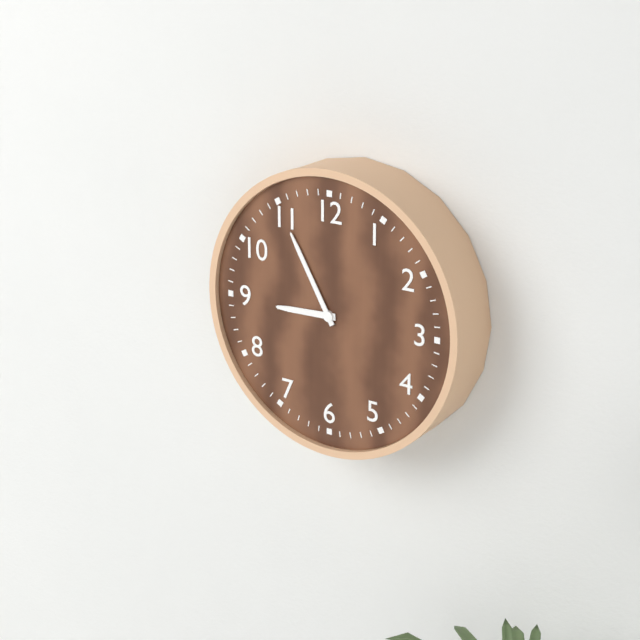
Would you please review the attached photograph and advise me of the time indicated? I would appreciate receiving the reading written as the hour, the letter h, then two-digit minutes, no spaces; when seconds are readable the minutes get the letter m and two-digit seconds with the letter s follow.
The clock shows 8h55
